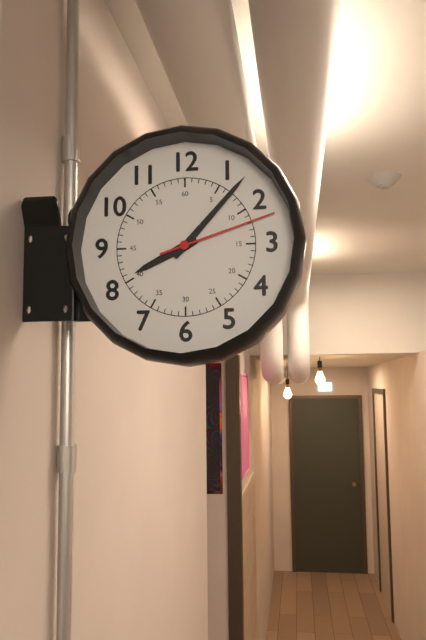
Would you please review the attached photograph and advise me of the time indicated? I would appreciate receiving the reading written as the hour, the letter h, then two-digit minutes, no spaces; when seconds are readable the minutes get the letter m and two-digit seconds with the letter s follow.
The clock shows 8h07m12s
